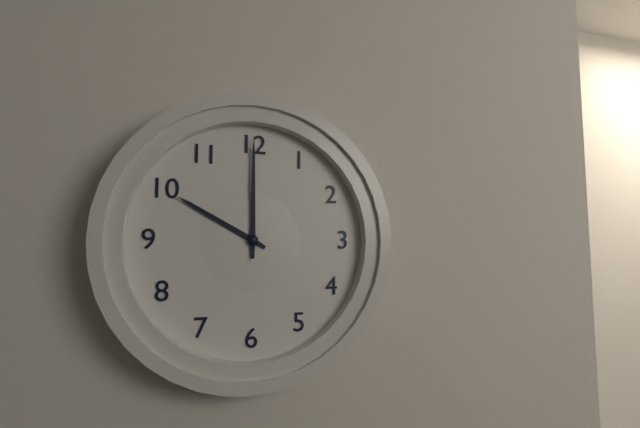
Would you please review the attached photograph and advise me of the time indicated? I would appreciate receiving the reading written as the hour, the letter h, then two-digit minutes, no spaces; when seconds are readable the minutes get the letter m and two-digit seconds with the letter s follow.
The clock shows 10h00
